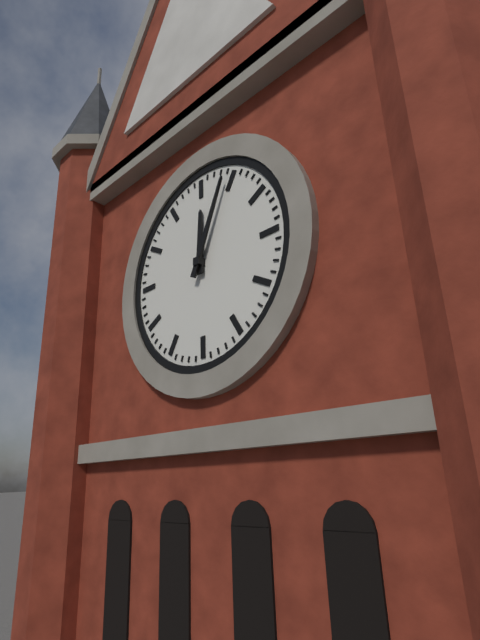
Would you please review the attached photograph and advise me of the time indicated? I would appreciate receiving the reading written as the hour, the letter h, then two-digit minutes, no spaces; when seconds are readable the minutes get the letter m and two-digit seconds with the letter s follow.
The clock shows 12h04
